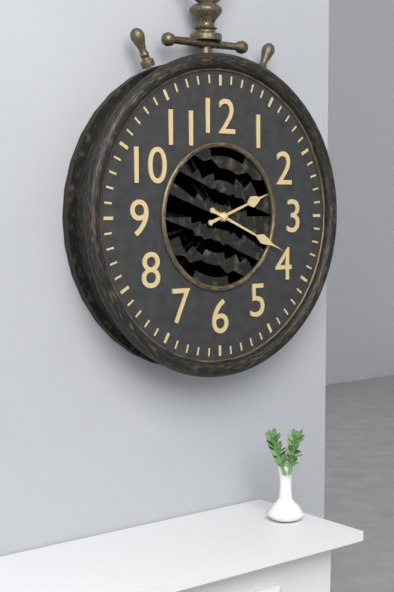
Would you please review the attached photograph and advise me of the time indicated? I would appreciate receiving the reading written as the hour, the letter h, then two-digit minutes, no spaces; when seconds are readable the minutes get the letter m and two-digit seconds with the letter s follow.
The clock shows 2h19
